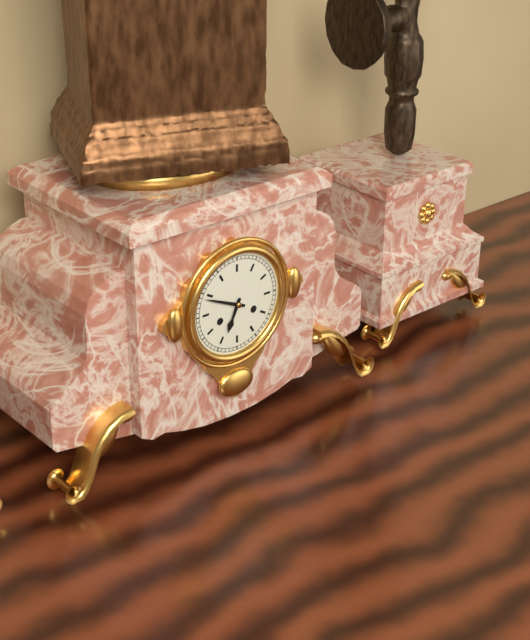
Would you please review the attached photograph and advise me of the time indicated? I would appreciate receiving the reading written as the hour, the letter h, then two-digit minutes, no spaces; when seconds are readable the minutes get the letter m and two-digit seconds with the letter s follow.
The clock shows 6h49
